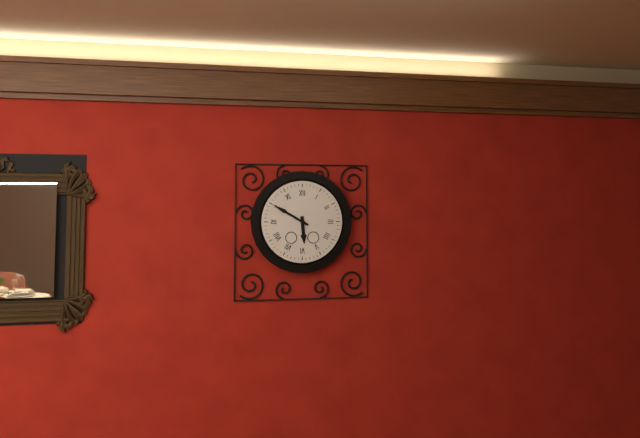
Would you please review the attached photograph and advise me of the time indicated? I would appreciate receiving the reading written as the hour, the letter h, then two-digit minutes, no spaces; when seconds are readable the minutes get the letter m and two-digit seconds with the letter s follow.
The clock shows 5h50
